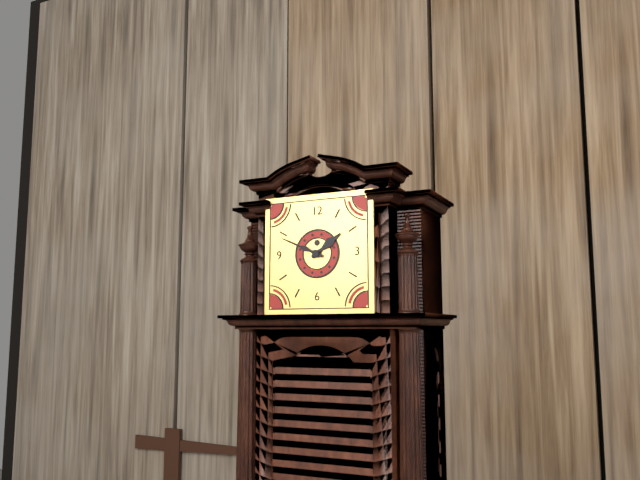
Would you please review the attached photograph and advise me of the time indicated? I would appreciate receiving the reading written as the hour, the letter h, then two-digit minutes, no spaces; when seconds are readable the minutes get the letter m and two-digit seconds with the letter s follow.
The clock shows 1h49
